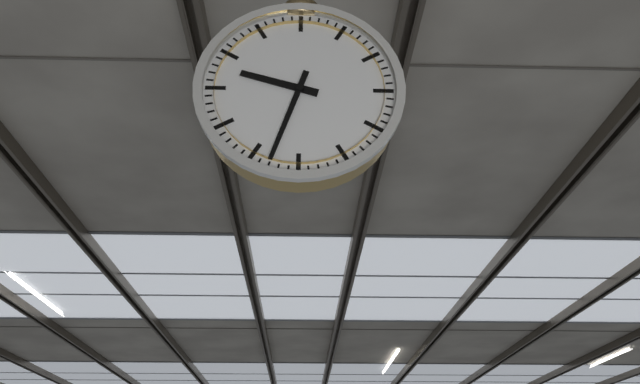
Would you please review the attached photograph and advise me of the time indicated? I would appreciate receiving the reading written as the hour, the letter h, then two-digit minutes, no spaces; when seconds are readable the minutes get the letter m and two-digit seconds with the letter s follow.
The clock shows 9h33
